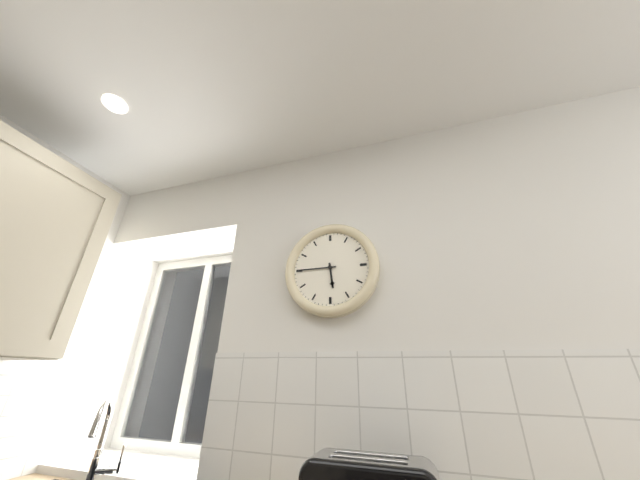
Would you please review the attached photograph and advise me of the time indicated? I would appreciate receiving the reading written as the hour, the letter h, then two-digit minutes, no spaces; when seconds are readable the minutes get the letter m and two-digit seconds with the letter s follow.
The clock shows 5h45
